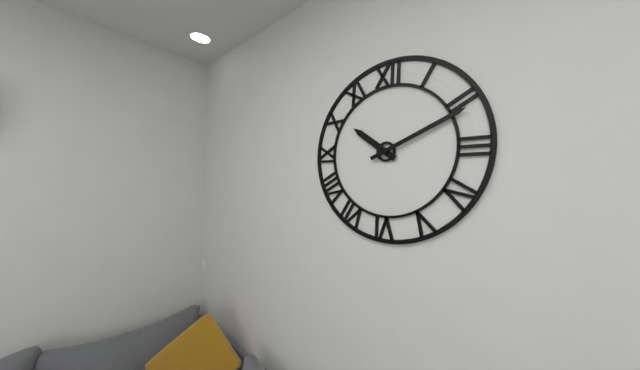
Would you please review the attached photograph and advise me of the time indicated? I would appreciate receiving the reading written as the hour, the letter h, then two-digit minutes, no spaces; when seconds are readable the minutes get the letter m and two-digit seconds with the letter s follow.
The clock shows 10h11
